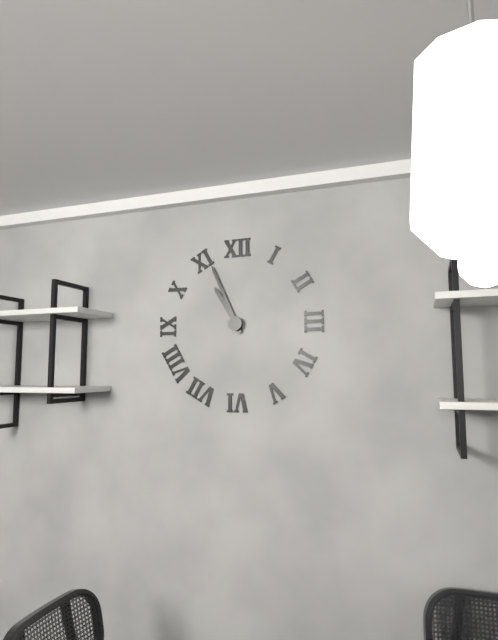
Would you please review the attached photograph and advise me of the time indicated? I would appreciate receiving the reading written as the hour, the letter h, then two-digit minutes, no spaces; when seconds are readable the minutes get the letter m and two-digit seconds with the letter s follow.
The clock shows 10h56
